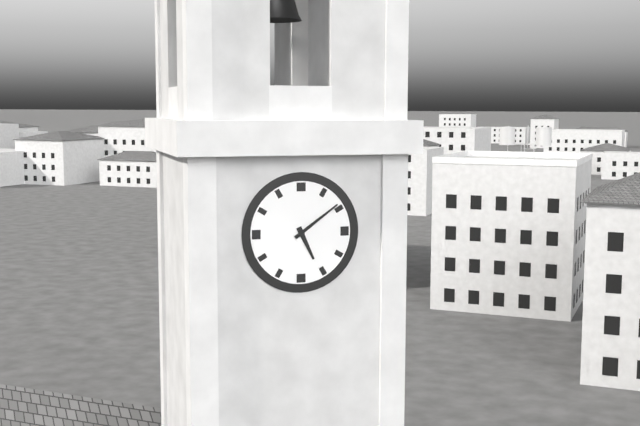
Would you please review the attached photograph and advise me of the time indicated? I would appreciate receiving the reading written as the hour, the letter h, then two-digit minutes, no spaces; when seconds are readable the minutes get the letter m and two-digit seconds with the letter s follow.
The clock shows 5h09
